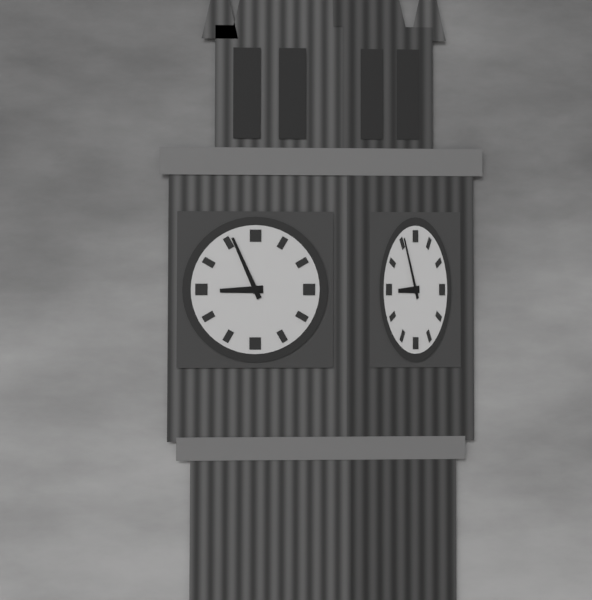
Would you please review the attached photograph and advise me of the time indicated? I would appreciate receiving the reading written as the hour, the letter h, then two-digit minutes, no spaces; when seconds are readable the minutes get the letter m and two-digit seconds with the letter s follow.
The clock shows 8h56
